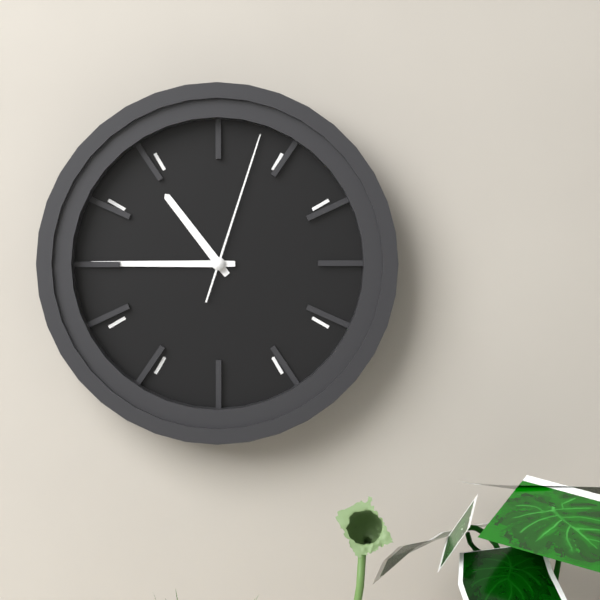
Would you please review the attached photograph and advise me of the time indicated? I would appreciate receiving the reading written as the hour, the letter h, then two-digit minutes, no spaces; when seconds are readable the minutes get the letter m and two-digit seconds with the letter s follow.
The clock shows 10h45m03s
